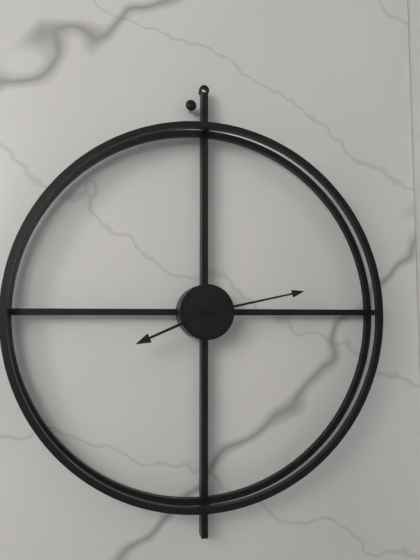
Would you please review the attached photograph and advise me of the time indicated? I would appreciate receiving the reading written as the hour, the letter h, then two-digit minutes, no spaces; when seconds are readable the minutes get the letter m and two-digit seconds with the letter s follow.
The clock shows 8h13
